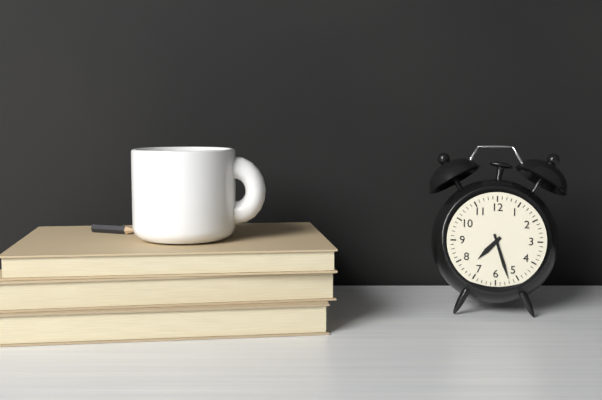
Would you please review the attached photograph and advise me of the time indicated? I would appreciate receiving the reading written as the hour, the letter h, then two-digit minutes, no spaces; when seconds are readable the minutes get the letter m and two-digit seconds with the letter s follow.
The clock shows 7h27
